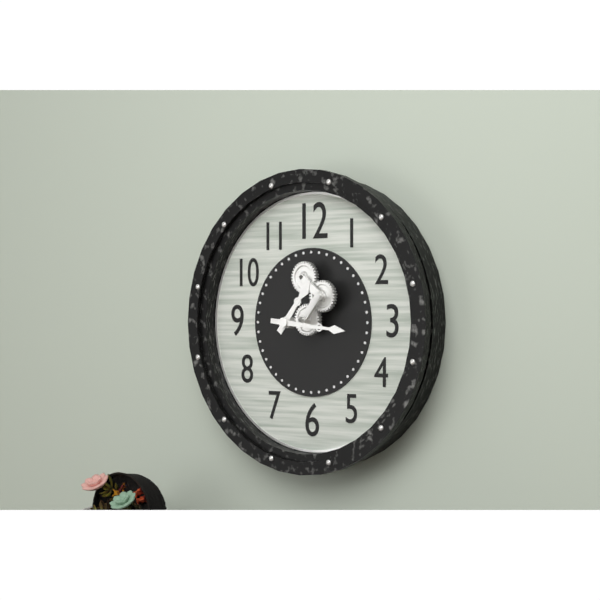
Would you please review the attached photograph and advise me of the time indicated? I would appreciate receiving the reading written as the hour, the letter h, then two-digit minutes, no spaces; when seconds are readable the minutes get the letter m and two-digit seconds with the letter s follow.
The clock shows 1h16
